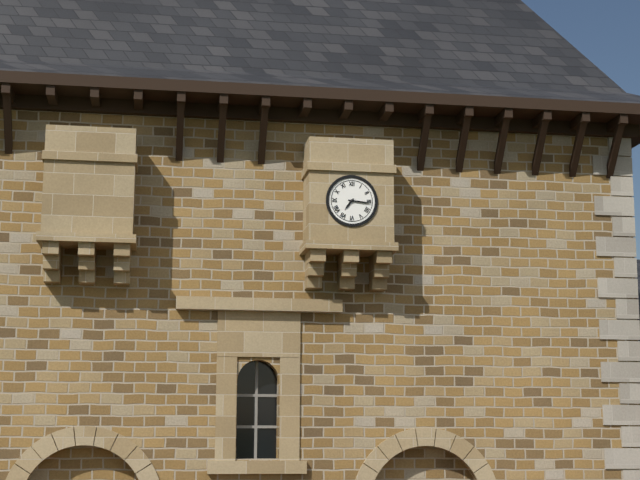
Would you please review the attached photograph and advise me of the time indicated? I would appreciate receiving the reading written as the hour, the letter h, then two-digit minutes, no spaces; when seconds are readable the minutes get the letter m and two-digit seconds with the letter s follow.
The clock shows 7h16
